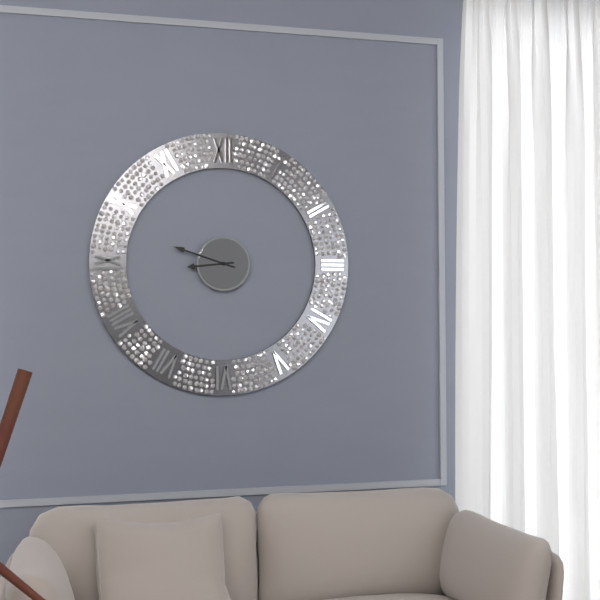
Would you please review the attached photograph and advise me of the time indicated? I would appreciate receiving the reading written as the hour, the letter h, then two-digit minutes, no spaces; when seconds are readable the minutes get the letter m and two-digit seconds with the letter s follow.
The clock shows 8h48
